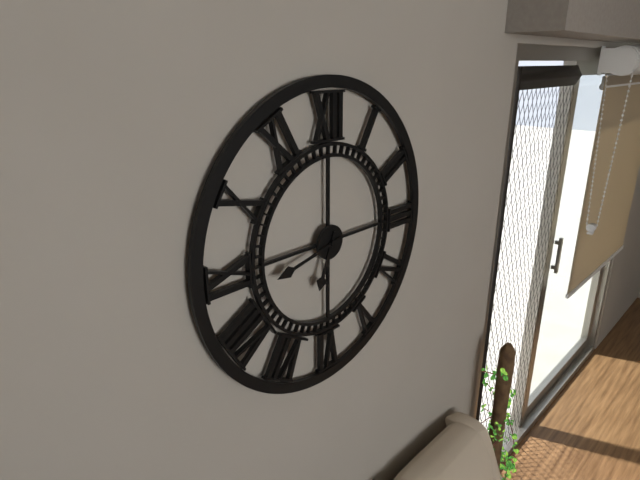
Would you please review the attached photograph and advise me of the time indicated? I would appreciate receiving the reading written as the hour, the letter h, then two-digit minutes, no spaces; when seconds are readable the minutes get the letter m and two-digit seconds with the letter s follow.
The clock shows 6h43
